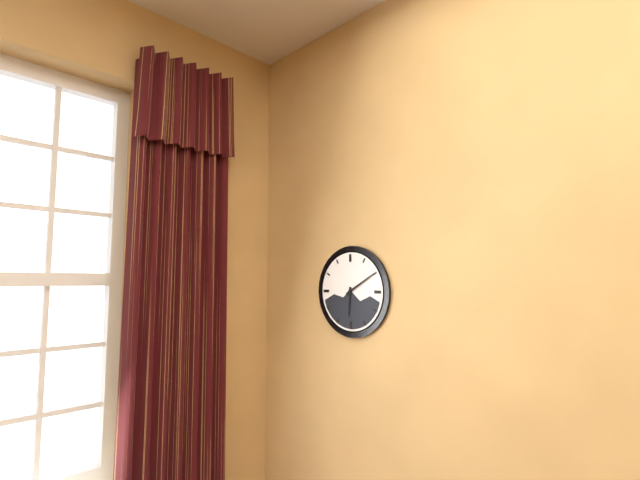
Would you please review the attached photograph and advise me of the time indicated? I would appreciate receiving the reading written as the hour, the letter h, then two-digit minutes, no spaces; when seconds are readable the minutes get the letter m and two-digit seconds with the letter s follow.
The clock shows 6h10
